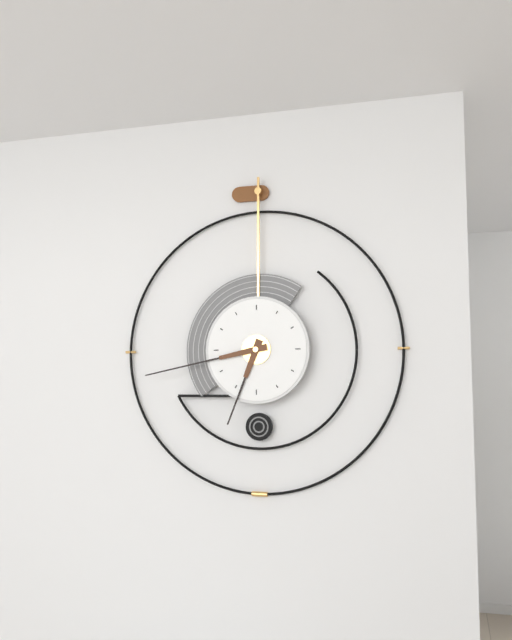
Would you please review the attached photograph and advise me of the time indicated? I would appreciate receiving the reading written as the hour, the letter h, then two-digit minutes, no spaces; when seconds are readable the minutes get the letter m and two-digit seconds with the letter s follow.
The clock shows 6h43
